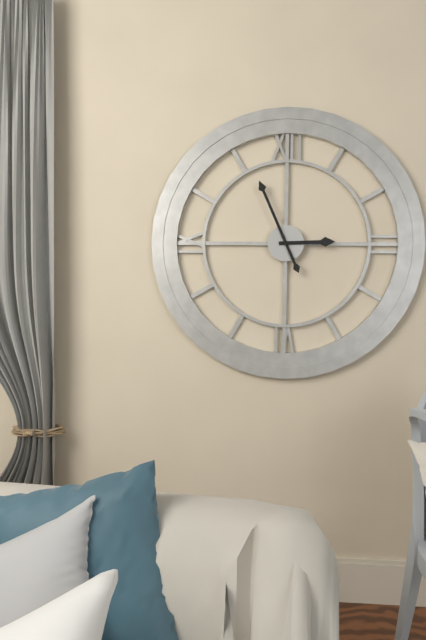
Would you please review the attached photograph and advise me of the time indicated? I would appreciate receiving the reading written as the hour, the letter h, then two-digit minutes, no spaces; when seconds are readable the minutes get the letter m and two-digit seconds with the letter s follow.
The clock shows 2h56
